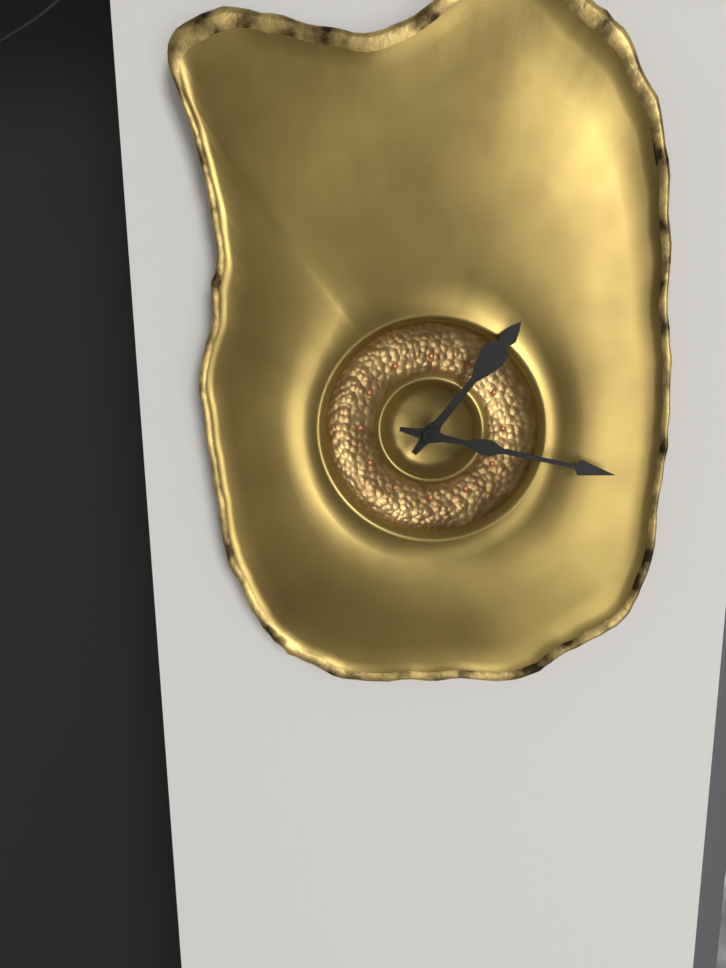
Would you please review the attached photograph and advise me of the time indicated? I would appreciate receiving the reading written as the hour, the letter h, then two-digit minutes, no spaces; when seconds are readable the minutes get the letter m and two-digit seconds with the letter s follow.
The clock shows 1h17
